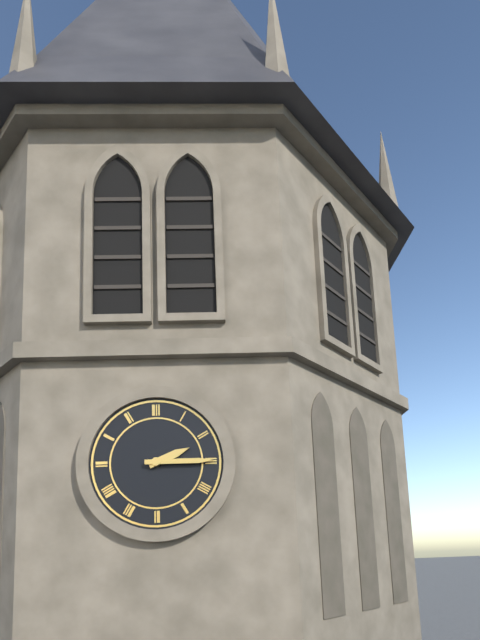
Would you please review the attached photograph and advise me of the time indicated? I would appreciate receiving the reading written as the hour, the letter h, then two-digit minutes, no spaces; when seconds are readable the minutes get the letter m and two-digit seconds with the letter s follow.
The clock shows 2h15
